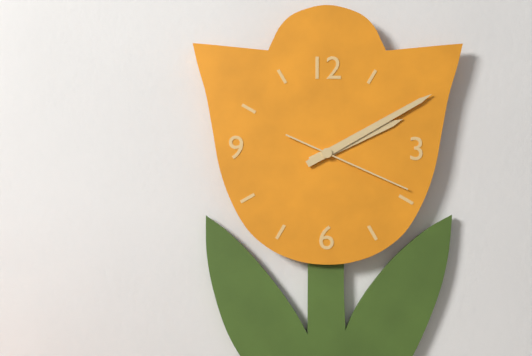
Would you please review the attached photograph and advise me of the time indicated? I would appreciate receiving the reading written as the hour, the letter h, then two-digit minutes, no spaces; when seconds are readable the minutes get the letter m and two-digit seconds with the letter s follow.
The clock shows 2h10m19s
